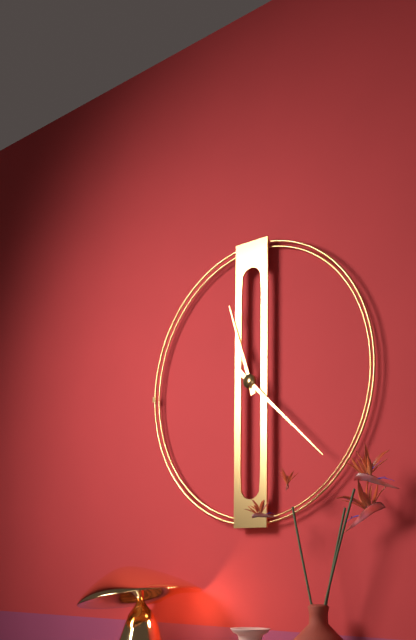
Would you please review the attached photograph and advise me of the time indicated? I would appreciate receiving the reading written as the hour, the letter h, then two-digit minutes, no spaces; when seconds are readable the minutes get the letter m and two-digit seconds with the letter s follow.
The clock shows 11h22
